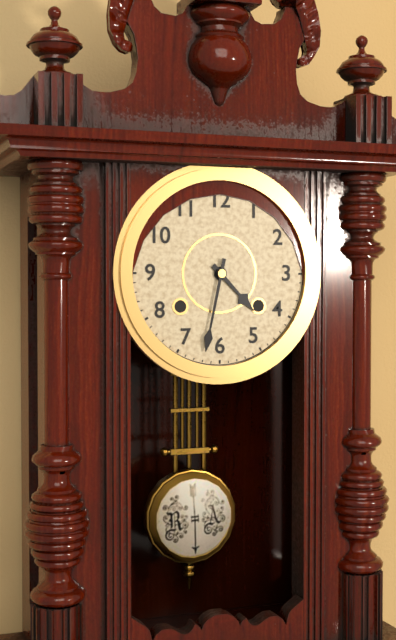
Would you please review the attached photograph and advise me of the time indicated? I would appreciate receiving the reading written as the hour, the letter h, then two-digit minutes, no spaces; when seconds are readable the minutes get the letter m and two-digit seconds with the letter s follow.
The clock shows 4h32
